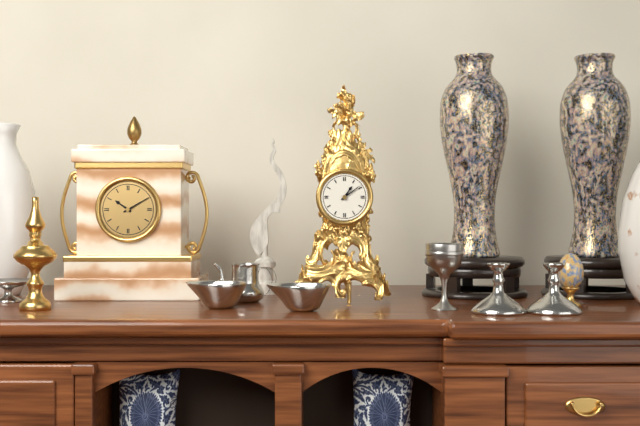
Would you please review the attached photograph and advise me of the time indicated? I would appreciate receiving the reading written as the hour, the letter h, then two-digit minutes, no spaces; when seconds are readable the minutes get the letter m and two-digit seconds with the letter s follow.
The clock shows 1h09
